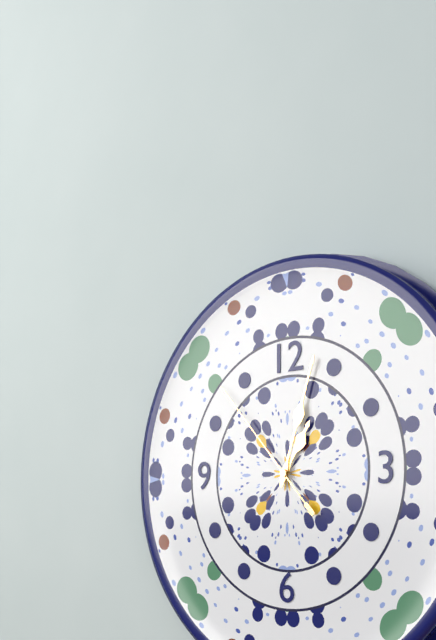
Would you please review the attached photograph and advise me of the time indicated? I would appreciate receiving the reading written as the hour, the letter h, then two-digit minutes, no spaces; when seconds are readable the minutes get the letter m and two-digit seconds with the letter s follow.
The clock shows 1h03m53s
